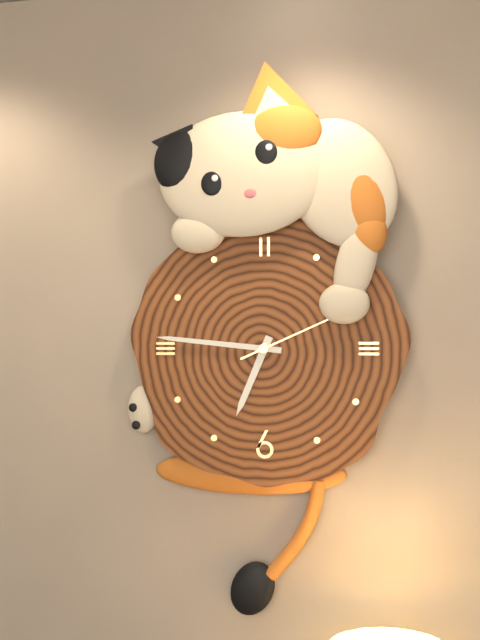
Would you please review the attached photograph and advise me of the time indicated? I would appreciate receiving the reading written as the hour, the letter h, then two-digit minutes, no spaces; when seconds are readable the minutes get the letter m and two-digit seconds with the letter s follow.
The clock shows 6h46
